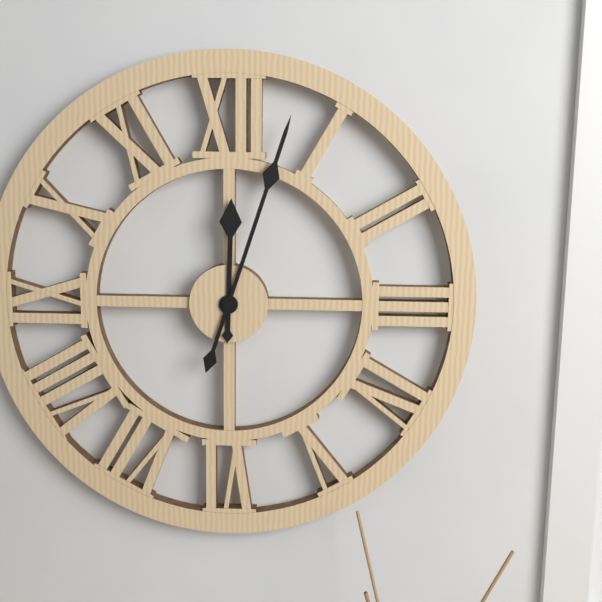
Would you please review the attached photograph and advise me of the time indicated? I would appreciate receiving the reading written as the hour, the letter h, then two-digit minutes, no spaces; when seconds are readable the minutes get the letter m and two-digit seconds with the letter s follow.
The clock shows 12h03
